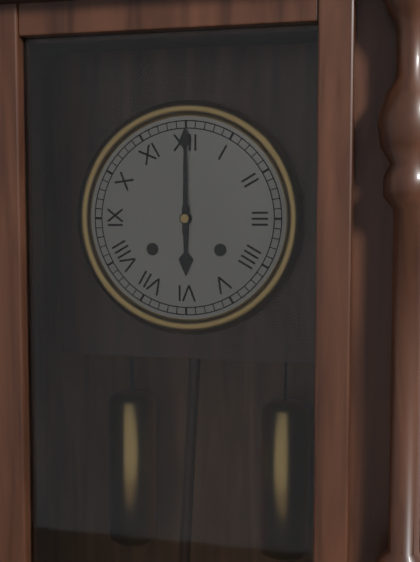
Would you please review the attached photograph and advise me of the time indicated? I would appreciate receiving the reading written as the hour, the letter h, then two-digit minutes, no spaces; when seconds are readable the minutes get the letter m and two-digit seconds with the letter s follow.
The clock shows 6h00
